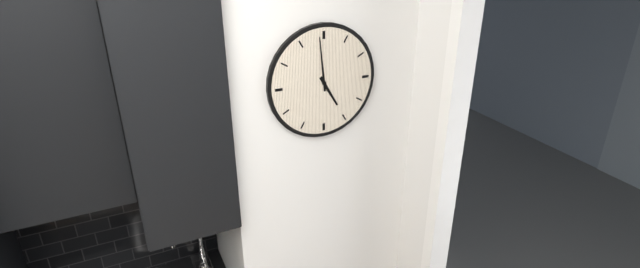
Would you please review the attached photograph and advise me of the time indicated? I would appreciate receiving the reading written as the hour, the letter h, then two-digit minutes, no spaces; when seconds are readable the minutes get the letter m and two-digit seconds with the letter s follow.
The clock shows 4h59
